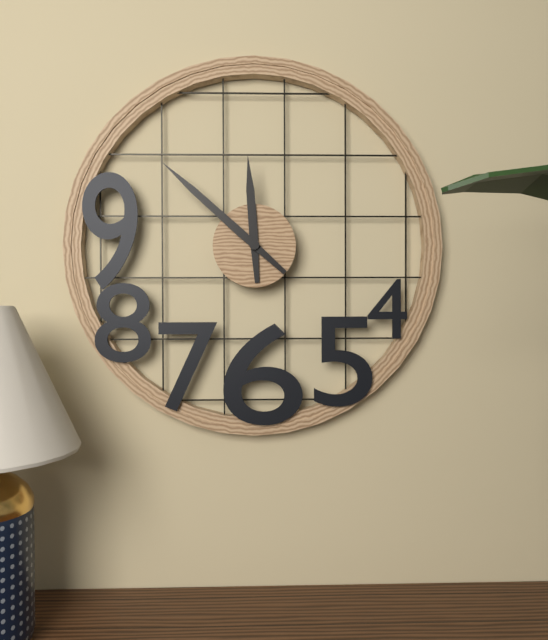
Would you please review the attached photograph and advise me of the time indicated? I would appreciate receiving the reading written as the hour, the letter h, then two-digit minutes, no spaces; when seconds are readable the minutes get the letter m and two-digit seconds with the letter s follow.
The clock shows 11h52
